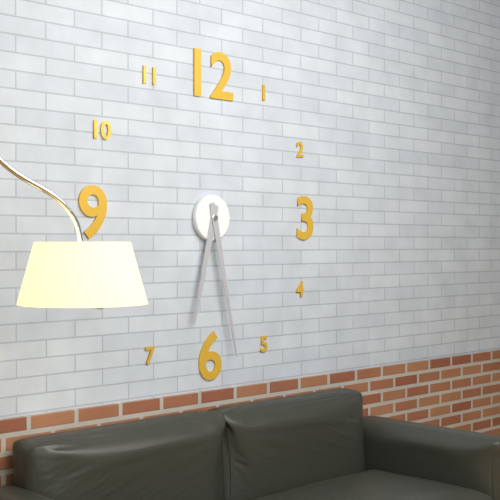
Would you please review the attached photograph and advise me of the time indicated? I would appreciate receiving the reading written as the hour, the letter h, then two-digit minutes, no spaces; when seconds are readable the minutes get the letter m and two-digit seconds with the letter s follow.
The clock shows 6h28
